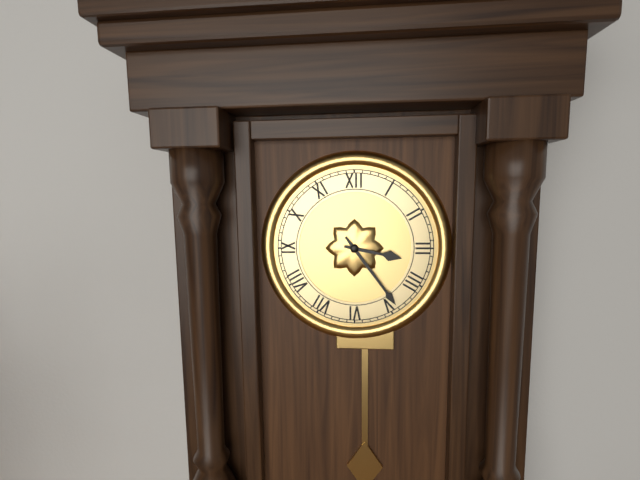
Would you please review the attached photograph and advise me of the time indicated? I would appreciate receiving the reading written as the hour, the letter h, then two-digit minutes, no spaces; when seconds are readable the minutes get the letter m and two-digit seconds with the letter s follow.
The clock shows 3h24
